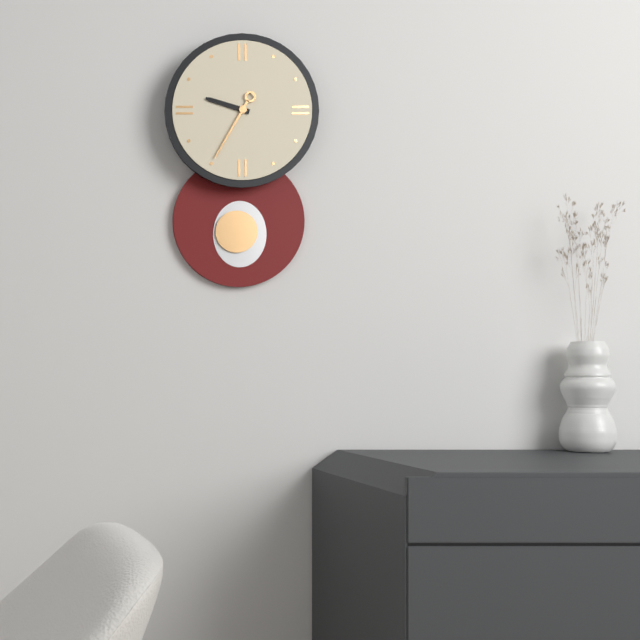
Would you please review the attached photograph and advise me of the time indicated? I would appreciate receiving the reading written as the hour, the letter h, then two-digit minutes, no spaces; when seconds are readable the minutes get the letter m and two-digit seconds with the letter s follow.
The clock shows 9h35
